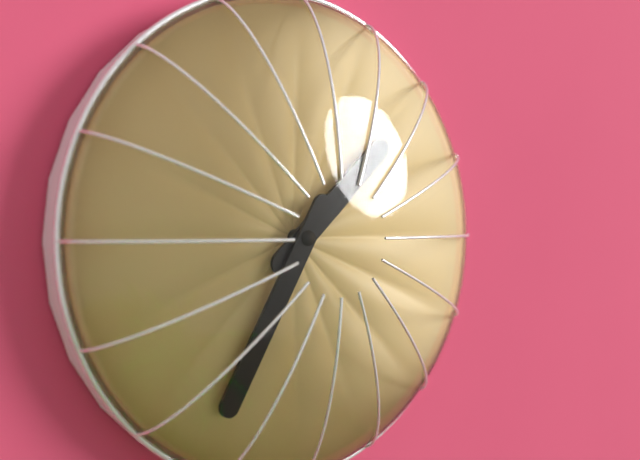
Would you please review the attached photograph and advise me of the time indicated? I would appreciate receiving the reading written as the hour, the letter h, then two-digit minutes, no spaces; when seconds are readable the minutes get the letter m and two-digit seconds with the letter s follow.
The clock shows 1h35
